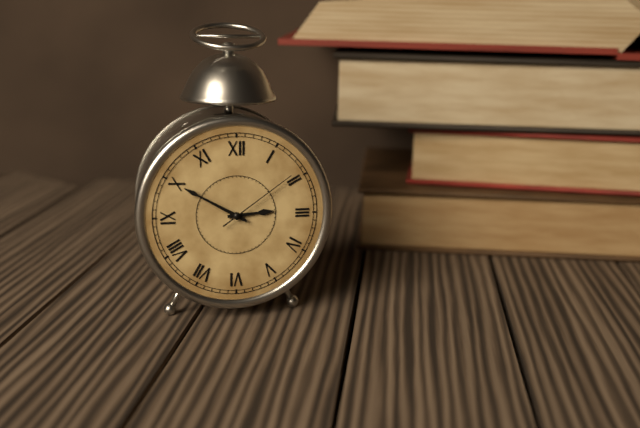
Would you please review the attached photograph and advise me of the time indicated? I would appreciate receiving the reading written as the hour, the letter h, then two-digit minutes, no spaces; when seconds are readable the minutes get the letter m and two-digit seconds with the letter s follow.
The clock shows 2h50m09s
